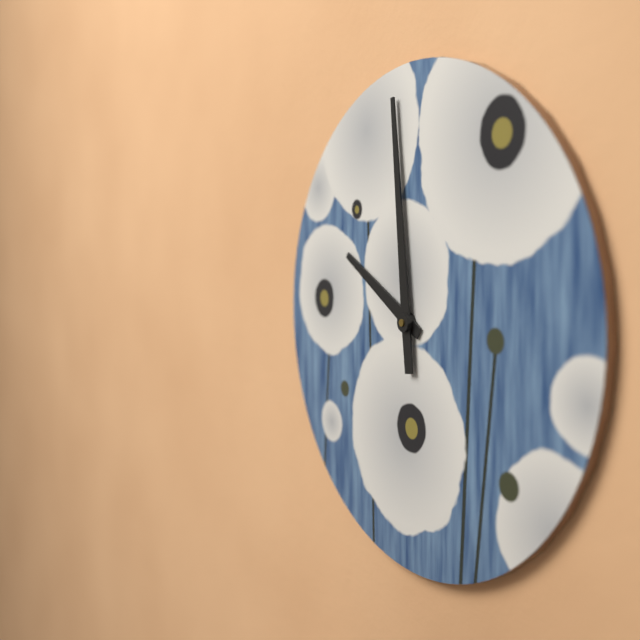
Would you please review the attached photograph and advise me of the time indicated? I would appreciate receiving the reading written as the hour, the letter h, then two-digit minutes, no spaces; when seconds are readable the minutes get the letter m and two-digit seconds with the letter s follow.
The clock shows 9h59
